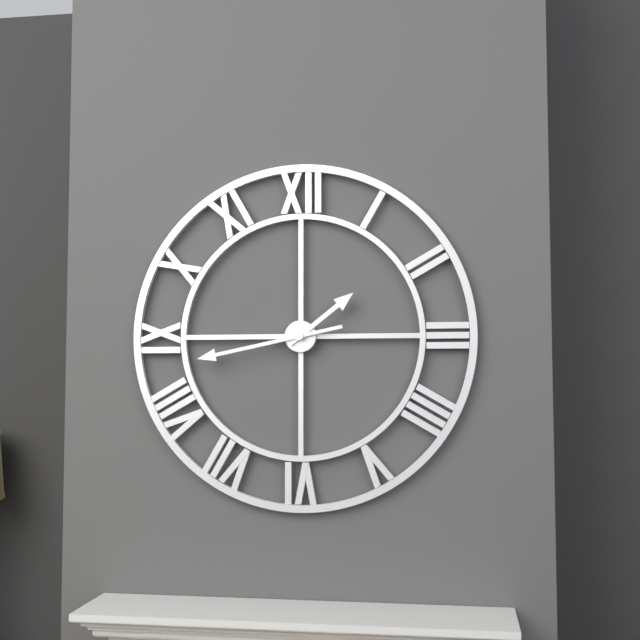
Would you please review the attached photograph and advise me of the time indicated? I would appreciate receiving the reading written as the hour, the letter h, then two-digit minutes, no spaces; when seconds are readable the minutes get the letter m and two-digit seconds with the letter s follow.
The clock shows 1h43
